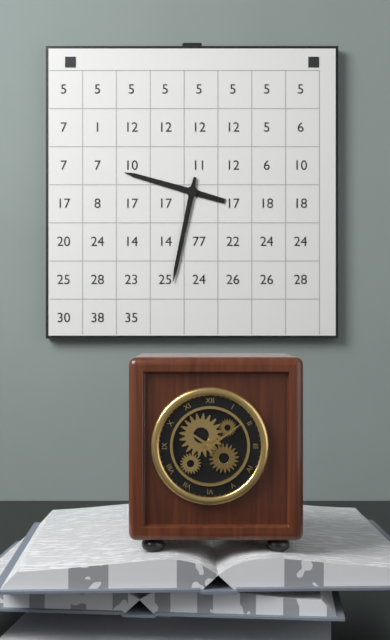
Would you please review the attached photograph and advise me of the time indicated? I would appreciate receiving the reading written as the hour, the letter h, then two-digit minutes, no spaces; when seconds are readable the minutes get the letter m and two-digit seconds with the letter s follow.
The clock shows 9h32
